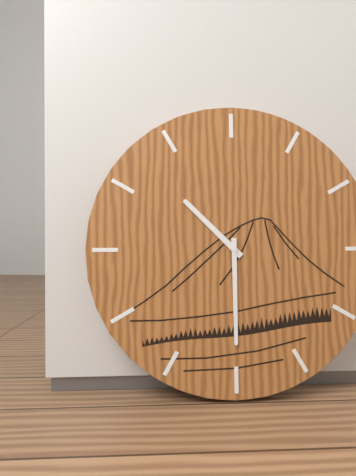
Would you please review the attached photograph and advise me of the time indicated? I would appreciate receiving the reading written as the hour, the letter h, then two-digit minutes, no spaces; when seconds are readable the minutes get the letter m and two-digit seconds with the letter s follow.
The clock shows 10h30
